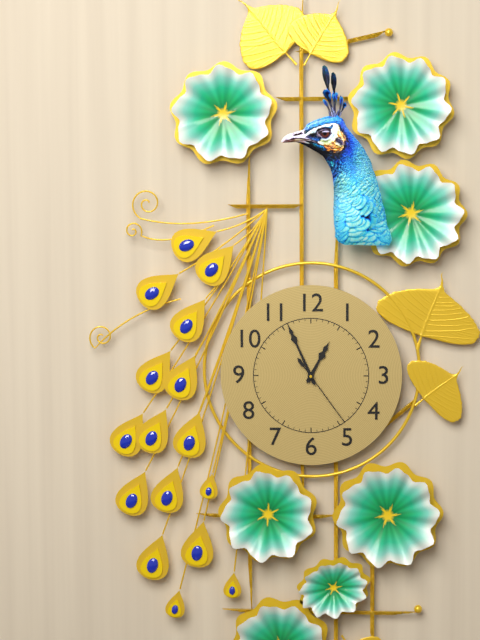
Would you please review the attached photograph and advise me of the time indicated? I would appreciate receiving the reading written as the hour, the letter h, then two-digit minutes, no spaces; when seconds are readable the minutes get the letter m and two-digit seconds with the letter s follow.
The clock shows 12h56m24s
